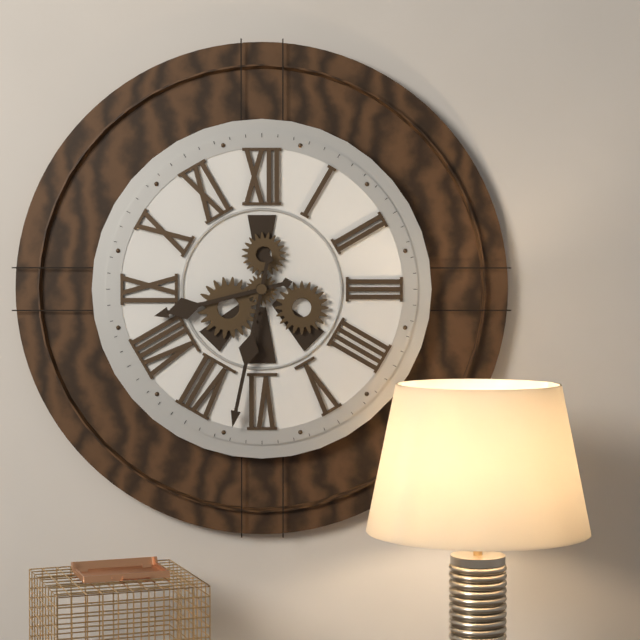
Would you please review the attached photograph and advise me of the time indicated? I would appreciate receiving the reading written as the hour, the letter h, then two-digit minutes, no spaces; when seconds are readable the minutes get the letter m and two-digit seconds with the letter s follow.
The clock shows 8h32
